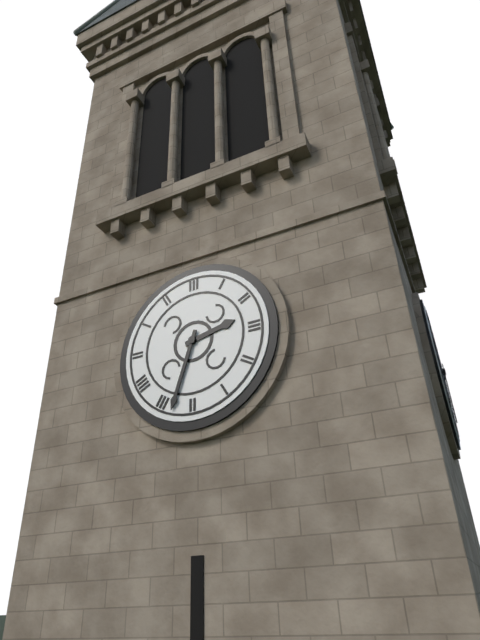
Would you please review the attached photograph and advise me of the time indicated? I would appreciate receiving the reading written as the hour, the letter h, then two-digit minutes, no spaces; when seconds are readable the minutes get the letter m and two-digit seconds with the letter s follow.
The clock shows 2h33
